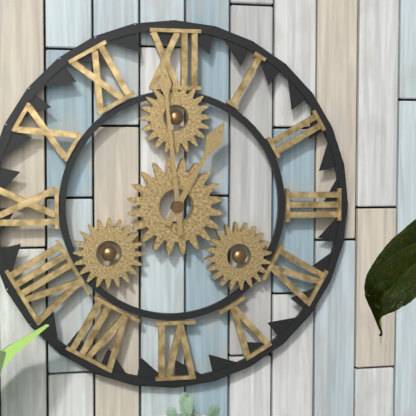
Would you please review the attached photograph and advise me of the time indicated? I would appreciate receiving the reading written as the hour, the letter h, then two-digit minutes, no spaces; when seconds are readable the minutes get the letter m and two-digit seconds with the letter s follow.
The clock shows 12h59
